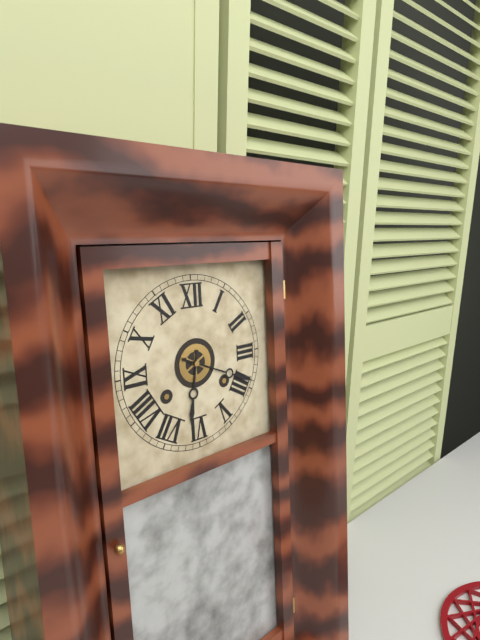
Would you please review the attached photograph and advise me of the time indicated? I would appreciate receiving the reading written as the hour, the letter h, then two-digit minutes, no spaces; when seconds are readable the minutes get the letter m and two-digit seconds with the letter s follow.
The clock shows 6h19
